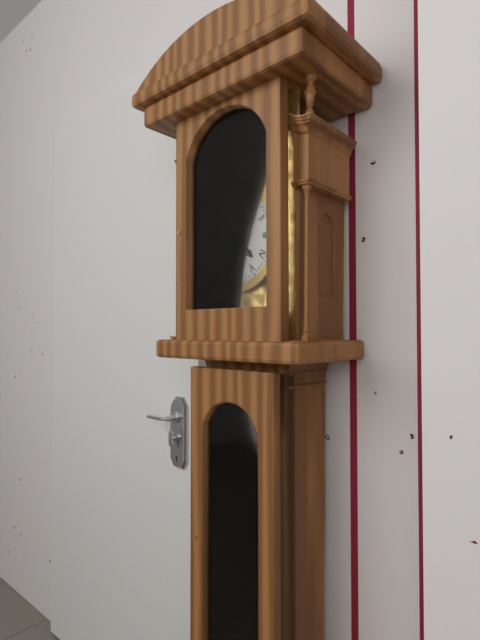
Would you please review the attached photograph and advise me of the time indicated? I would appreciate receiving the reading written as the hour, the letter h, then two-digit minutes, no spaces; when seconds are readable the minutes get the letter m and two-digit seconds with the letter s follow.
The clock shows 4h33
